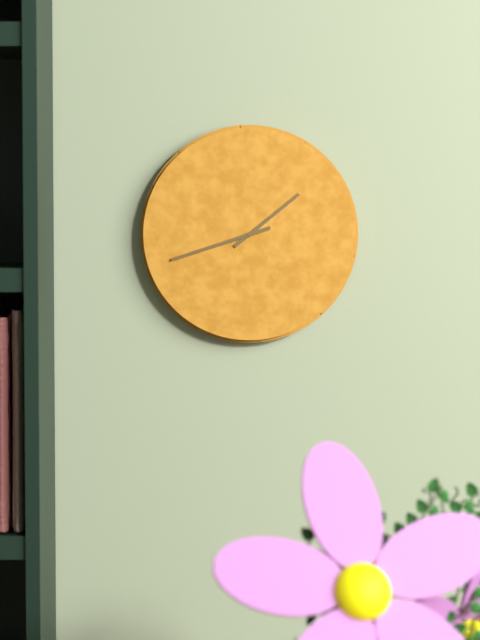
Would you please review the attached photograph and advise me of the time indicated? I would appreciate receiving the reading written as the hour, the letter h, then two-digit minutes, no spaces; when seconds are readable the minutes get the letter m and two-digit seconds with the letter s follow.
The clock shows 1h42
